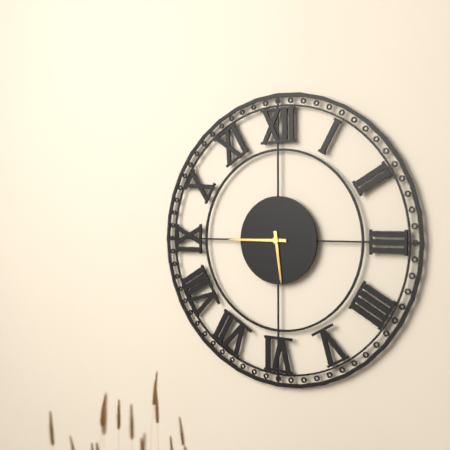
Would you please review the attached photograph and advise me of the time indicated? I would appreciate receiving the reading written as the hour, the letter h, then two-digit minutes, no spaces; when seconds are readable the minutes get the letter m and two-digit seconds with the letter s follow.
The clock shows 5h45
